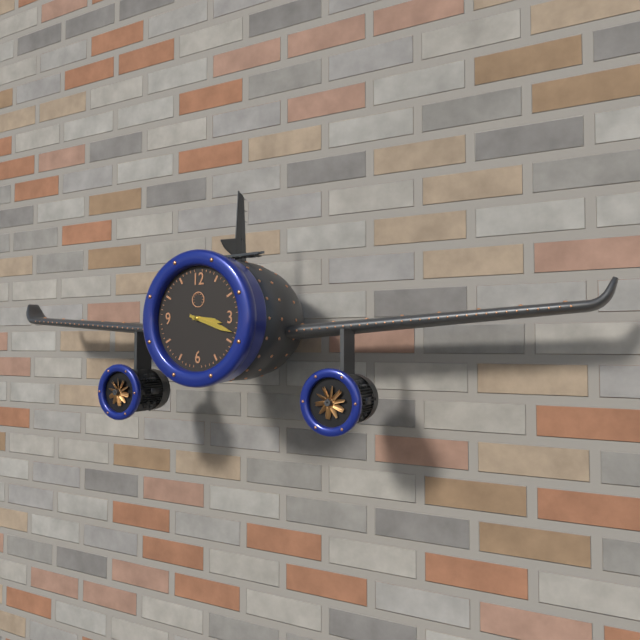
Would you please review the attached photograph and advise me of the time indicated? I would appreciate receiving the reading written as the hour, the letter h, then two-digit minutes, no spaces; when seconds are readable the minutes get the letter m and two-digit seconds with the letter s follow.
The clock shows 3h18
